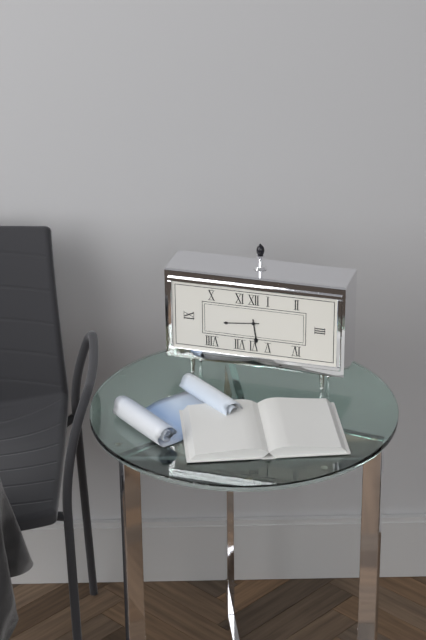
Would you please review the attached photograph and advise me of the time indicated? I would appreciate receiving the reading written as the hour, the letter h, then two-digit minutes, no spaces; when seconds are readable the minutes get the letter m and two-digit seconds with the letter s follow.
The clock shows 5h44
